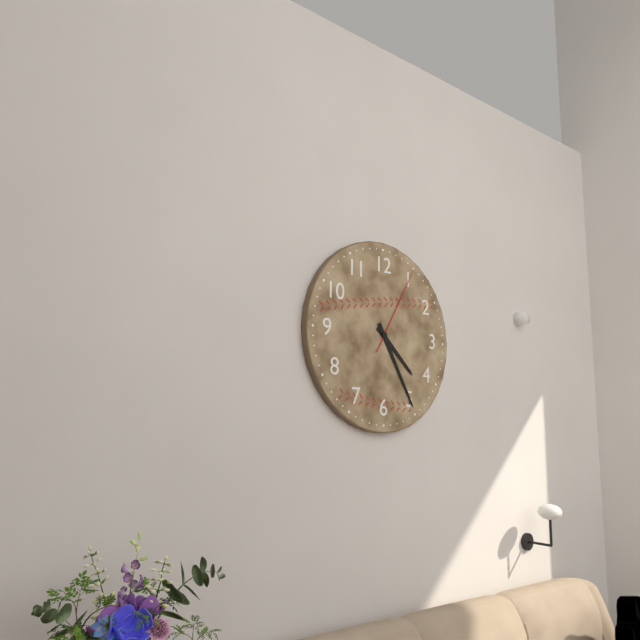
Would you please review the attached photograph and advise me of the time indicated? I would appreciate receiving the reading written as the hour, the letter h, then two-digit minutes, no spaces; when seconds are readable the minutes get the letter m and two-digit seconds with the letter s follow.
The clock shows 4h25m05s
